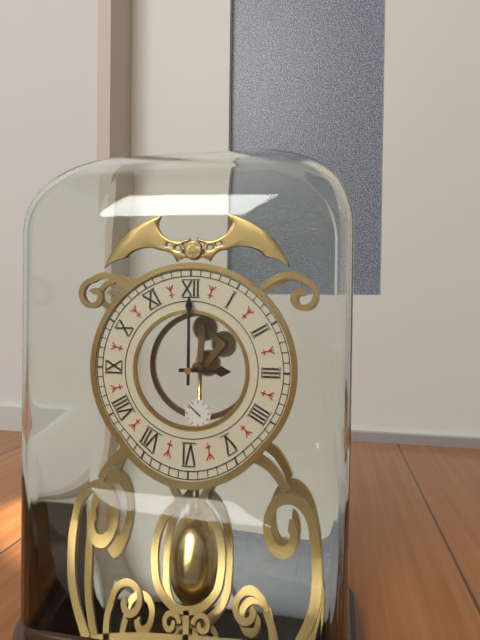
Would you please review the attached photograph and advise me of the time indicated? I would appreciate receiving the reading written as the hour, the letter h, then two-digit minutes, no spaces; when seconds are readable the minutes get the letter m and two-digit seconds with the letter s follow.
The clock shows 3h00
